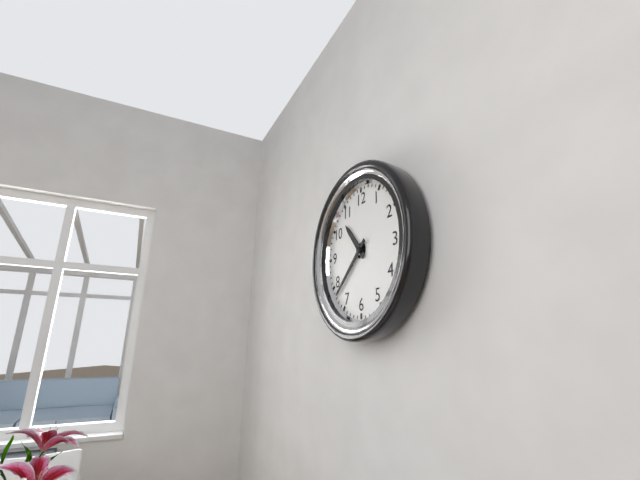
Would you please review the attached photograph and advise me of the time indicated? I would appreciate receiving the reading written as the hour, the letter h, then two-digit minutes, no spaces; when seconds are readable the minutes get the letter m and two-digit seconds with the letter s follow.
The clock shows 10h38
